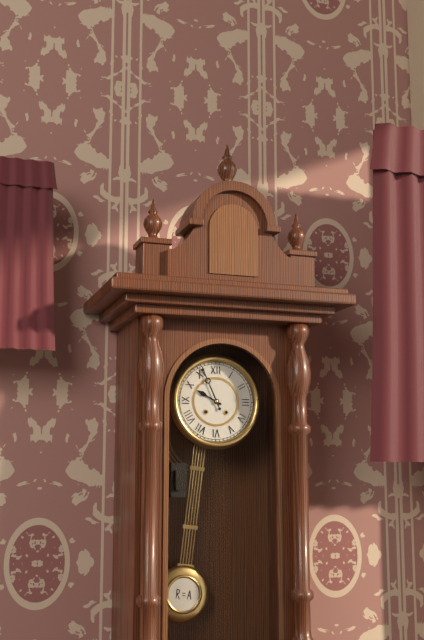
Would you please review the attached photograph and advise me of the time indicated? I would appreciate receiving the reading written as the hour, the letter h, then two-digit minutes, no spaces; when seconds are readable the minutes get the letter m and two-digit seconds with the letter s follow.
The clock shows 9h56
